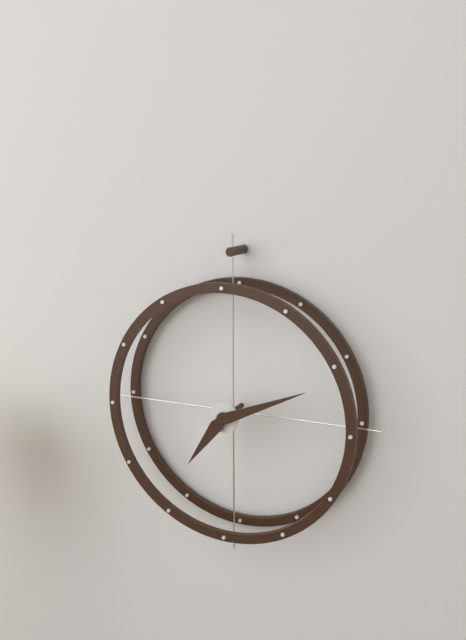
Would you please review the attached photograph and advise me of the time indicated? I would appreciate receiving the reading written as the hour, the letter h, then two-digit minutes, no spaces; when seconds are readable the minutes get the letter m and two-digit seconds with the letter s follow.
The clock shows 7h11
